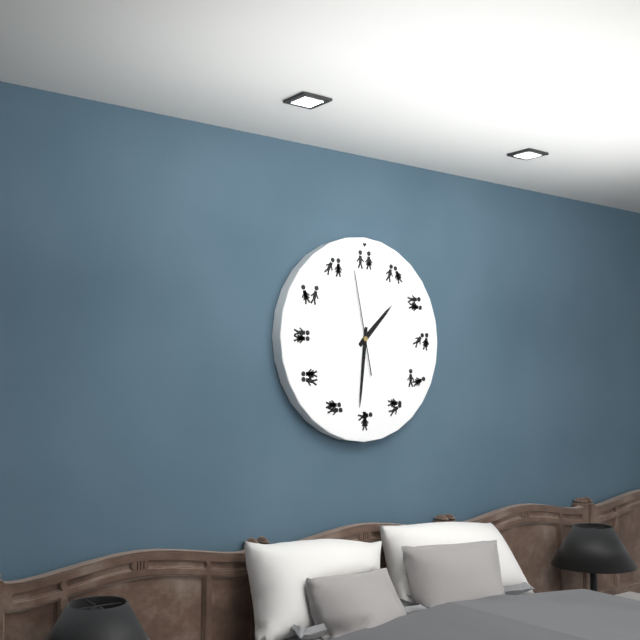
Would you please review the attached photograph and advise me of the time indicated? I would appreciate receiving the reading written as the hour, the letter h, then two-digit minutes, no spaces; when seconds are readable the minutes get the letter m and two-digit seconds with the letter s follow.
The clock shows 1h31m58s
